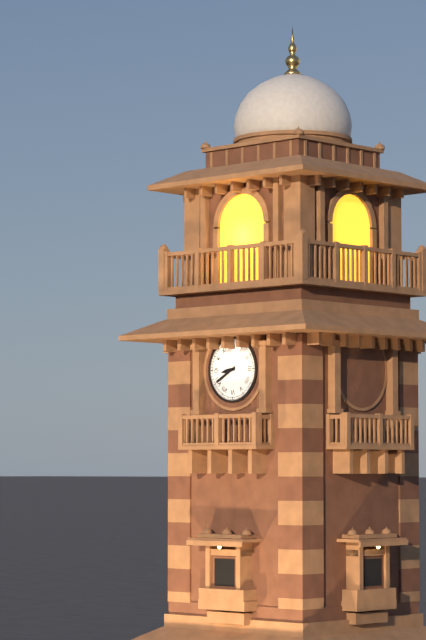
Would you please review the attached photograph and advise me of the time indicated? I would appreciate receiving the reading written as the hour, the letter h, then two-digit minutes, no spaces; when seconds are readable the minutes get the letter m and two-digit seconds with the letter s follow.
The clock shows 8h40
